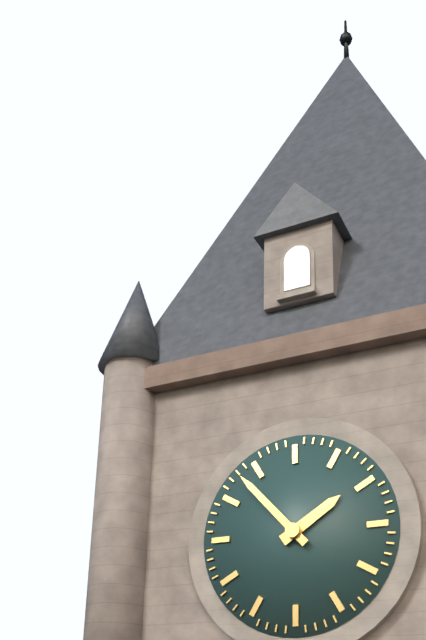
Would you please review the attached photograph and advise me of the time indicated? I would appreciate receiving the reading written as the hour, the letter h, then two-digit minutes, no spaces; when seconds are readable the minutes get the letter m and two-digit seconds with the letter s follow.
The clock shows 1h53
